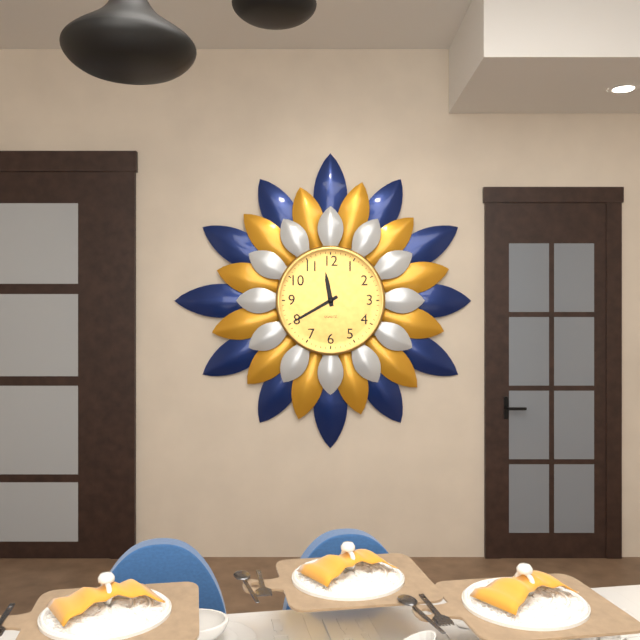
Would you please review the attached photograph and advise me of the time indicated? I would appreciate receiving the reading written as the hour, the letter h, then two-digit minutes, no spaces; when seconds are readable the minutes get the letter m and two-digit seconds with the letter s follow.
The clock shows 11h40
